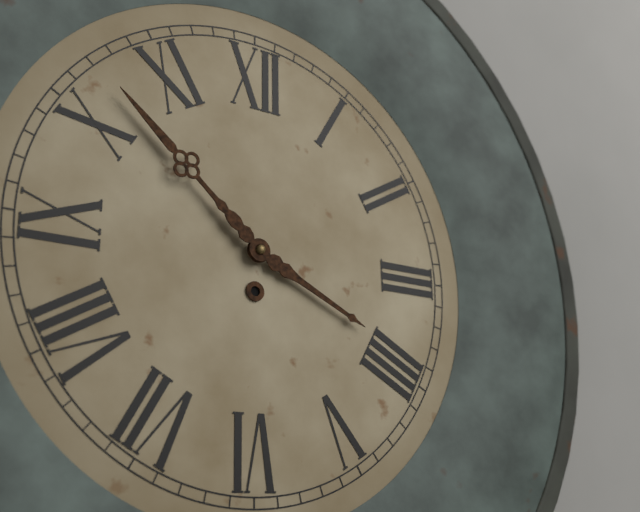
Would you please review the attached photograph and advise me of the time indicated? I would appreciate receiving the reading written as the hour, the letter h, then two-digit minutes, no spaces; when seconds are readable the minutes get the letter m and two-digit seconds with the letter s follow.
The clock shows 3h52
